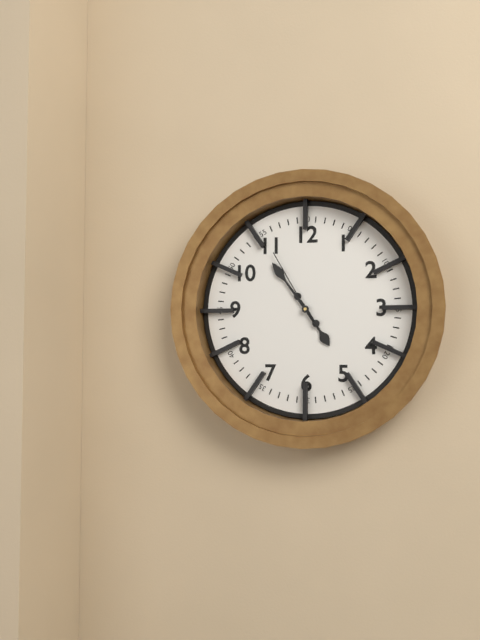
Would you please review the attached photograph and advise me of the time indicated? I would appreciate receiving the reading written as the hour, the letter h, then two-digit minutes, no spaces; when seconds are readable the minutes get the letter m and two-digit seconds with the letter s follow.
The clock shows 4h54m55s
